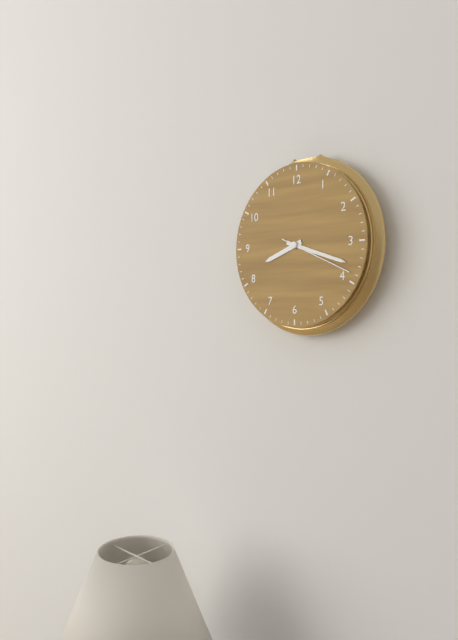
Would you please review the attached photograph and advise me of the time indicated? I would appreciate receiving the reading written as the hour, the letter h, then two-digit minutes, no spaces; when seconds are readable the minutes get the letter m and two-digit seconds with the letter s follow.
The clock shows 8h18m19s
